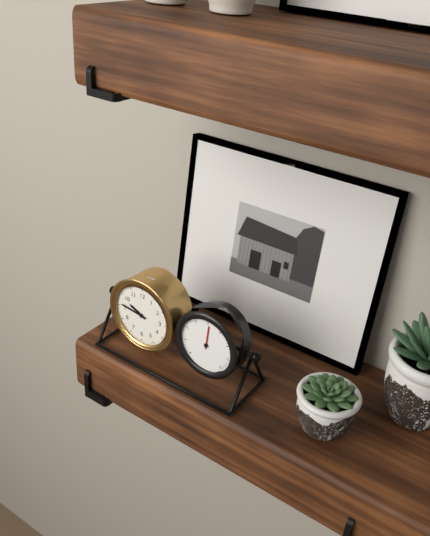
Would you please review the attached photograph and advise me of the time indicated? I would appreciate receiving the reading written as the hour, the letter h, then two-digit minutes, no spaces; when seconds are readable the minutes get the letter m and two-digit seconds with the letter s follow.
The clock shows 9h46
